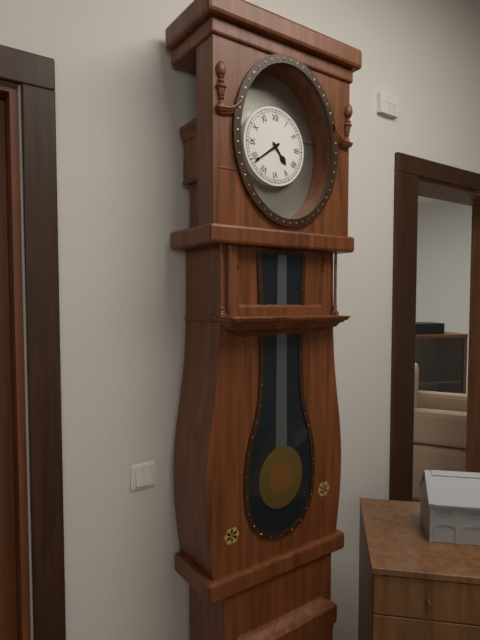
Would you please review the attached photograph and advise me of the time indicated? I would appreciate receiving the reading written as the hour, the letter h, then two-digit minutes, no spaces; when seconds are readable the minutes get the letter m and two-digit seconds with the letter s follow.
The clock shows 4h39
